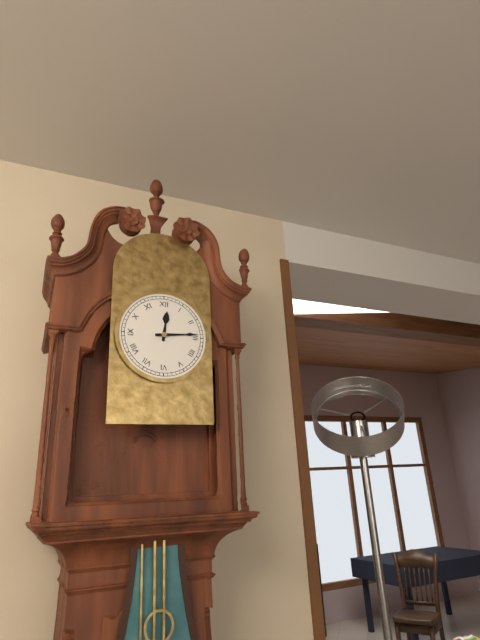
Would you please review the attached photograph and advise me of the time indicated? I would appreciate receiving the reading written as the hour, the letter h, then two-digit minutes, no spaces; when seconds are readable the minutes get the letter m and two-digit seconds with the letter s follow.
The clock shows 12h14
